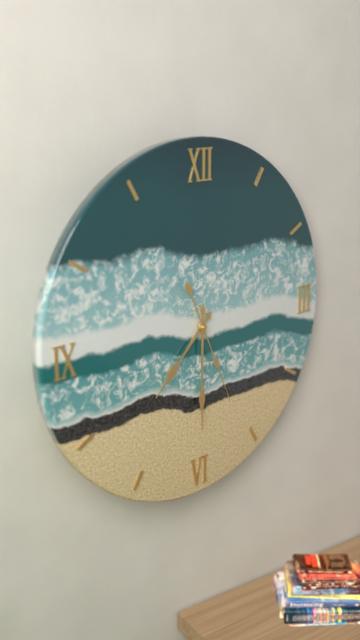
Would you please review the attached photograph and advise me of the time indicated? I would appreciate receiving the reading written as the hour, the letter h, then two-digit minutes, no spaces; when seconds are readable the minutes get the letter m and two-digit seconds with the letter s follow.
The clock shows 7h30m26s
